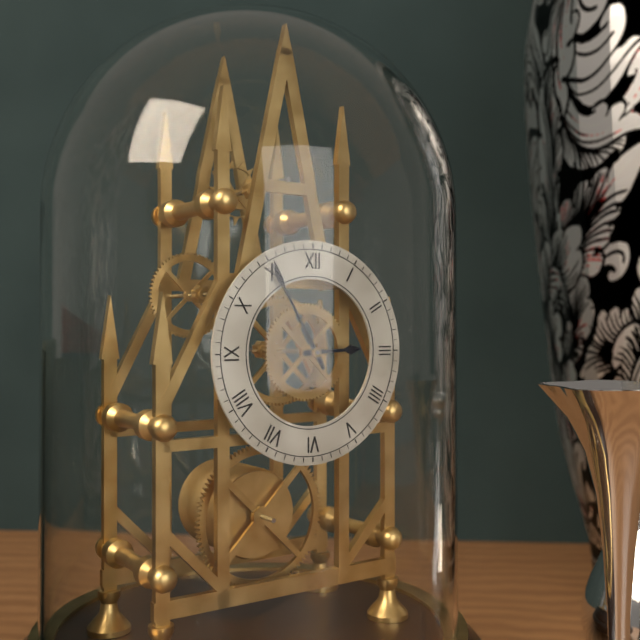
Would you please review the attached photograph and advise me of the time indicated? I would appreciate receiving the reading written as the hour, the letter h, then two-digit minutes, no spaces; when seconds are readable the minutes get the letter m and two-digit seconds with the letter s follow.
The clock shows 2h55
